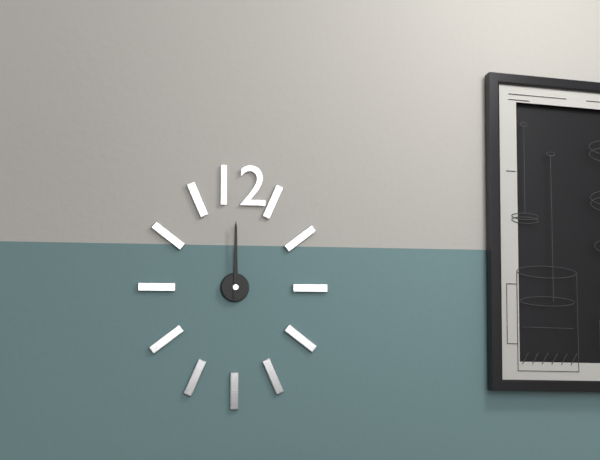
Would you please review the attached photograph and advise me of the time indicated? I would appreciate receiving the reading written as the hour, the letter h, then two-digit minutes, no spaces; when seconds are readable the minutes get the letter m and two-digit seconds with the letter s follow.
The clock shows 12h00
